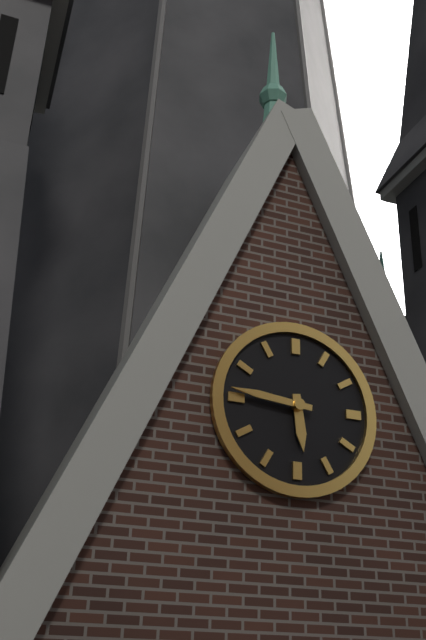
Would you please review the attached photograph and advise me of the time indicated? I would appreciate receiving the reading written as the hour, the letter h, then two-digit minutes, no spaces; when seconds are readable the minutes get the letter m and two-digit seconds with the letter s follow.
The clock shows 5h46
